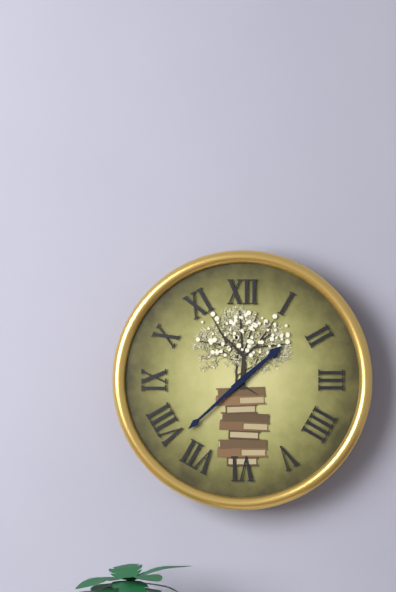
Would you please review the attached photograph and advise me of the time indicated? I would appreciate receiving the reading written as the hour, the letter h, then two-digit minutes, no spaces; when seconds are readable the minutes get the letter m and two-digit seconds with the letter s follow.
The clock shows 1h38
